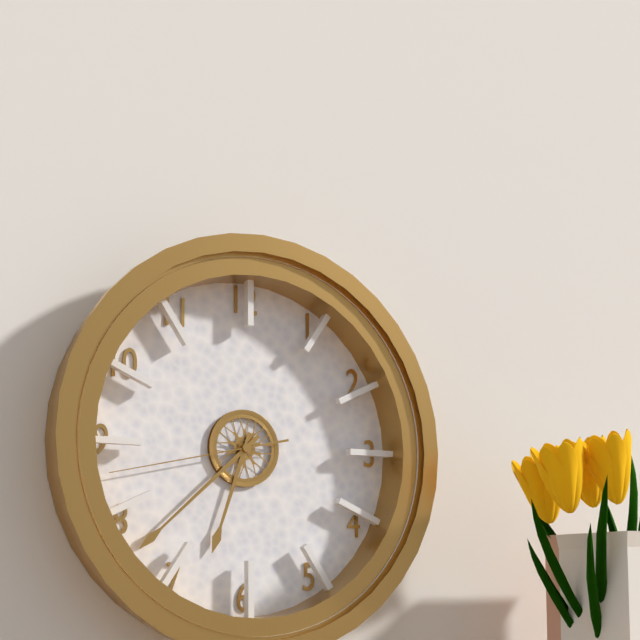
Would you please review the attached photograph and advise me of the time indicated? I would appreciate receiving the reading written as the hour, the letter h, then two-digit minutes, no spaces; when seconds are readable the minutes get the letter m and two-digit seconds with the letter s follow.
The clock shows 6h38m43s
